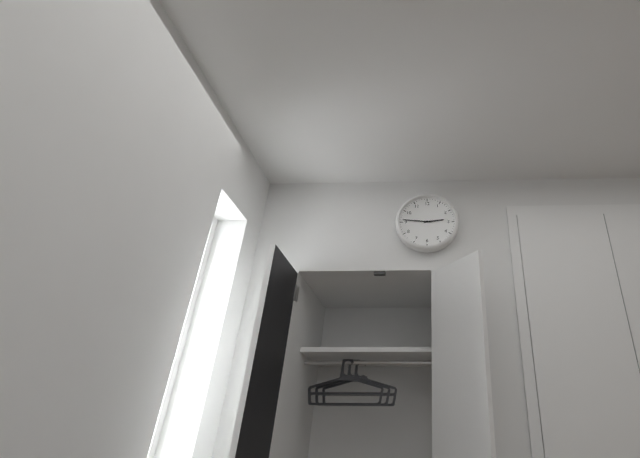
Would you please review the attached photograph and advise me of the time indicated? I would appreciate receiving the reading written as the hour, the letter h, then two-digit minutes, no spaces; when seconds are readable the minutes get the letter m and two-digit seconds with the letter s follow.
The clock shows 2h46
